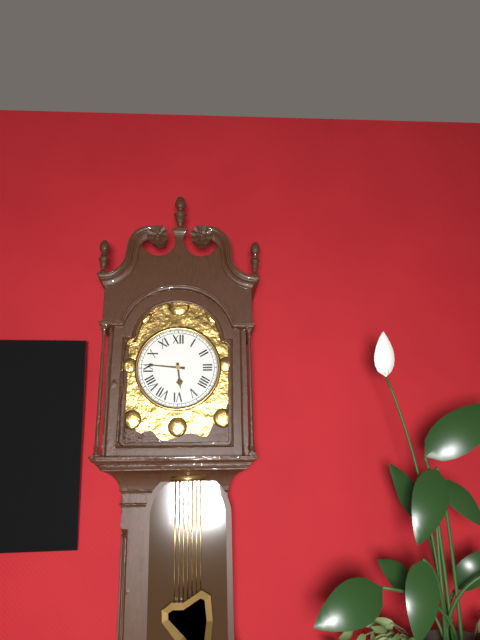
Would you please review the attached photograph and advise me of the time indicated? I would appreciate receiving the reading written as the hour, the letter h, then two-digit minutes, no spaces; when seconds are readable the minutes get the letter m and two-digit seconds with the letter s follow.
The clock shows 5h46
